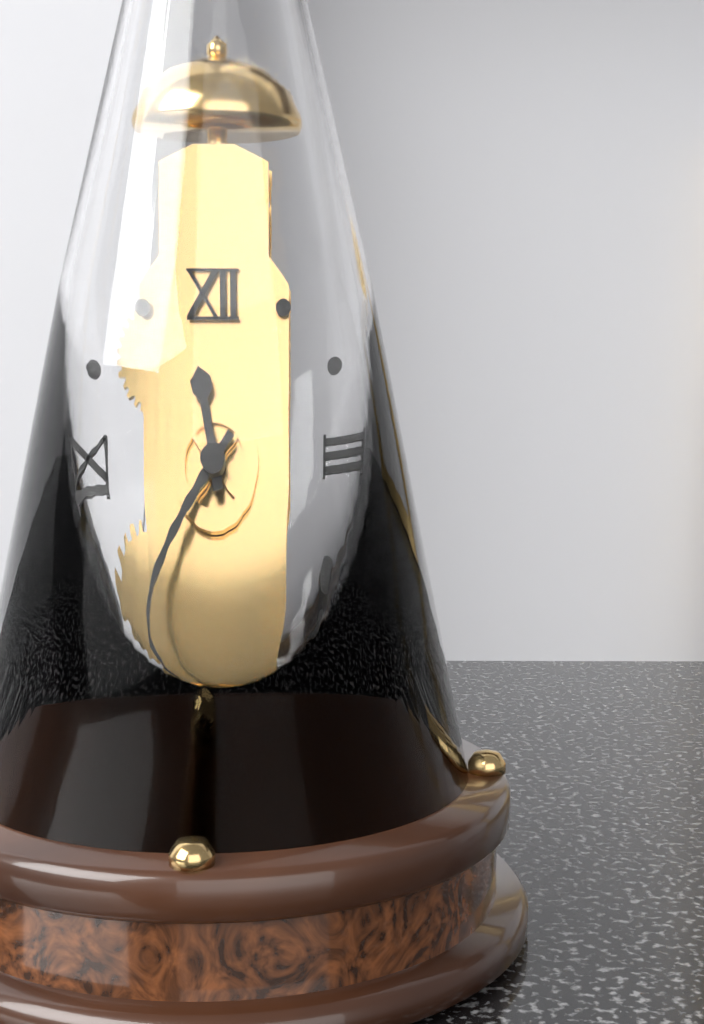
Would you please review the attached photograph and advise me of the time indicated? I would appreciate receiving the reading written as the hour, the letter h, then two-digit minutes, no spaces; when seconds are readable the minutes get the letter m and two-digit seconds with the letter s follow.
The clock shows 11h37
